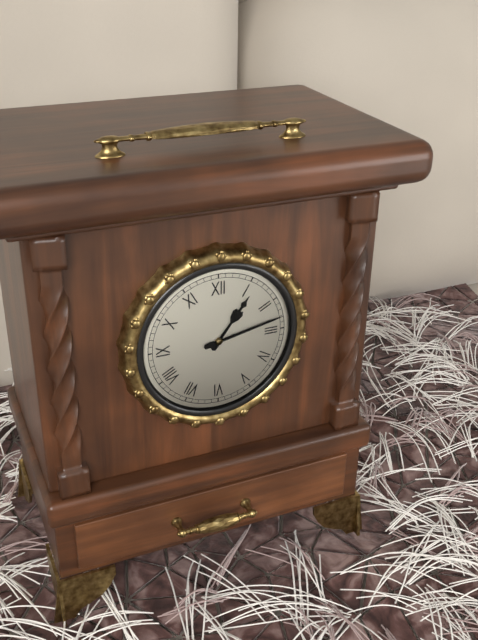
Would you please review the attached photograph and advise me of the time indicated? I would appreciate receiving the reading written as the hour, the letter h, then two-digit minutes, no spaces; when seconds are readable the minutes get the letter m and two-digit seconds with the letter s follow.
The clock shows 1h13
